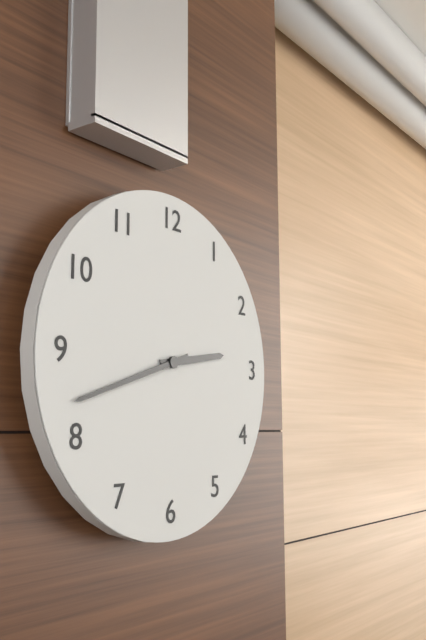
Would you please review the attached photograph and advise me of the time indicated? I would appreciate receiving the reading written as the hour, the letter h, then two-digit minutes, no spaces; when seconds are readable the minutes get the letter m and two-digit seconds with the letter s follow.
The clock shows 2h42
